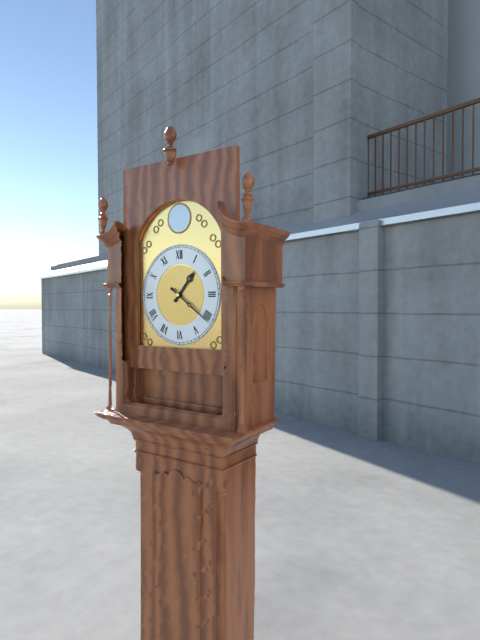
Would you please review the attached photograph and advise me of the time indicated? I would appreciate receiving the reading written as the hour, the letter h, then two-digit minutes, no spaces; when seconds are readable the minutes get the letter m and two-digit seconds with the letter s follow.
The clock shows 1h21
